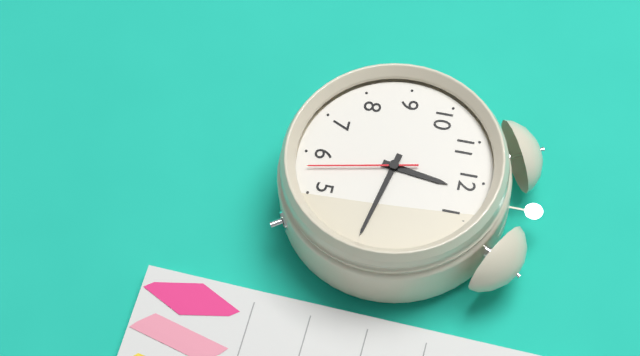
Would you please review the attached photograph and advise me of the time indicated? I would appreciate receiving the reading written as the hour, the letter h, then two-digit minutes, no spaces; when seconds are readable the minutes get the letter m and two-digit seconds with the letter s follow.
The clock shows 12h17m28s
